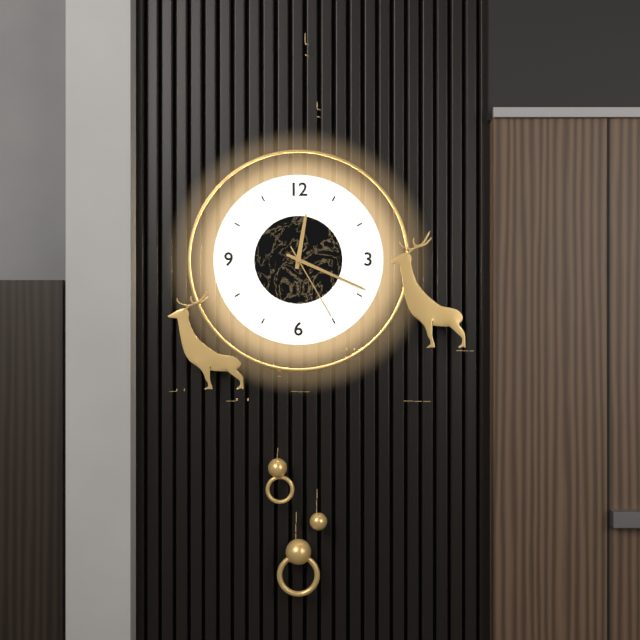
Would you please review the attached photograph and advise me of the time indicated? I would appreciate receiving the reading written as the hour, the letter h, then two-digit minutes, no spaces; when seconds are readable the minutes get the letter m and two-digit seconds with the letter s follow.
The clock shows 12h19m25s
